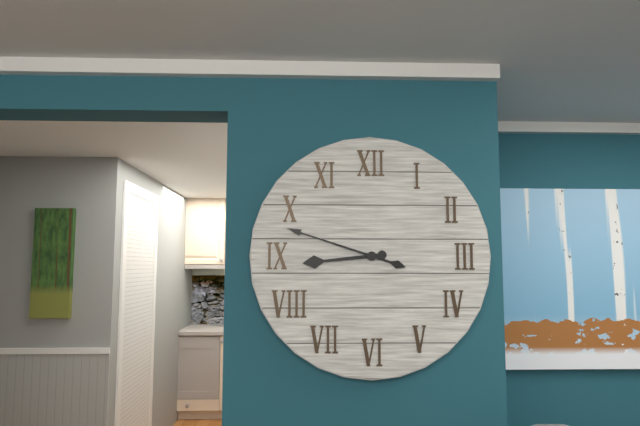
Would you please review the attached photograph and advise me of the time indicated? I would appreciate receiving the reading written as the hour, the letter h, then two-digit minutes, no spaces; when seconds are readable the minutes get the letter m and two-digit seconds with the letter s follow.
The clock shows 8h48
